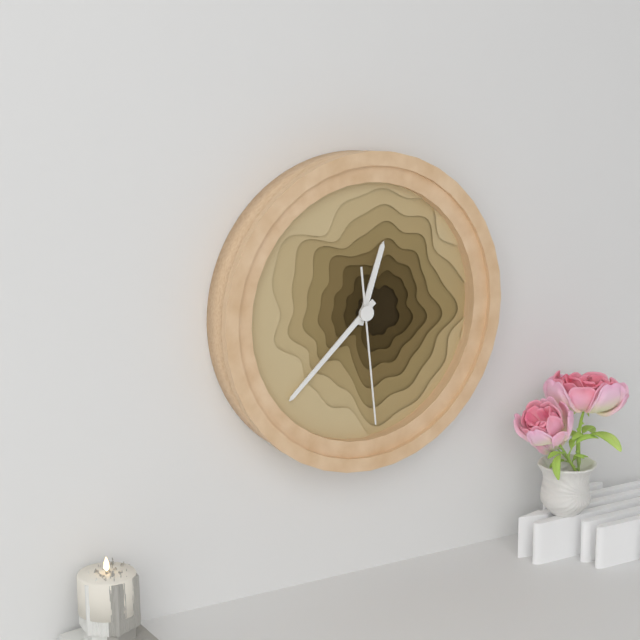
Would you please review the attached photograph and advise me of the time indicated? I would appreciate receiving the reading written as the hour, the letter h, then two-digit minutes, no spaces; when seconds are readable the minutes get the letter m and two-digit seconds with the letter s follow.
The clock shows 12h38m29s
